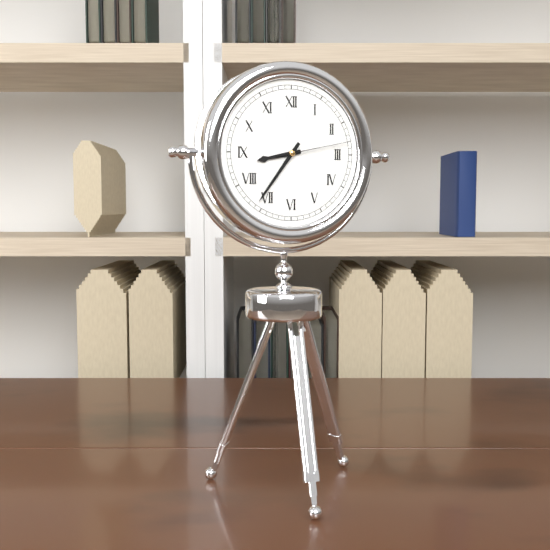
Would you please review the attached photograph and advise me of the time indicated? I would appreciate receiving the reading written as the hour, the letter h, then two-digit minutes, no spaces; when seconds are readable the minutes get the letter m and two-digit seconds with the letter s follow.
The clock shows 8h36m13s
